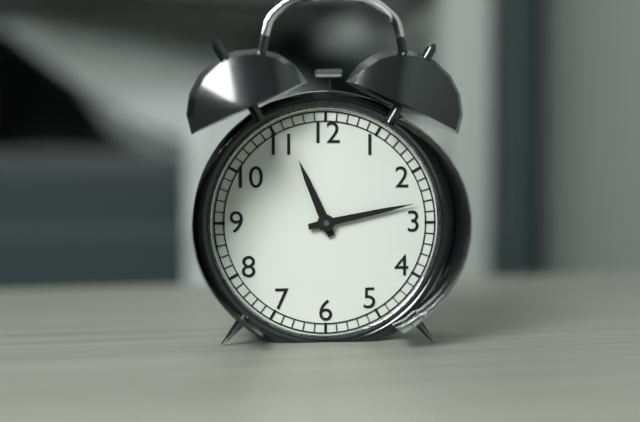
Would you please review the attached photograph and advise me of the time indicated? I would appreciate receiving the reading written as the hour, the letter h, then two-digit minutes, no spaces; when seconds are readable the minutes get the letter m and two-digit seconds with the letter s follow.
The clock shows 11h13
